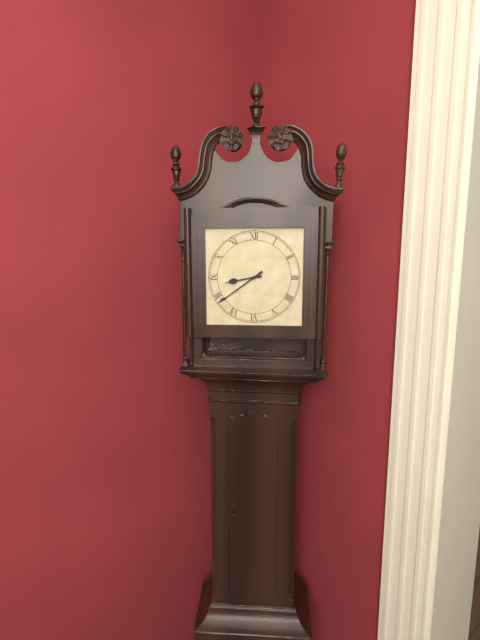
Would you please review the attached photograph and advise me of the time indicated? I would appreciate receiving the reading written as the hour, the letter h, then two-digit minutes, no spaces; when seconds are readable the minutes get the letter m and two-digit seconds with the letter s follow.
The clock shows 8h39
